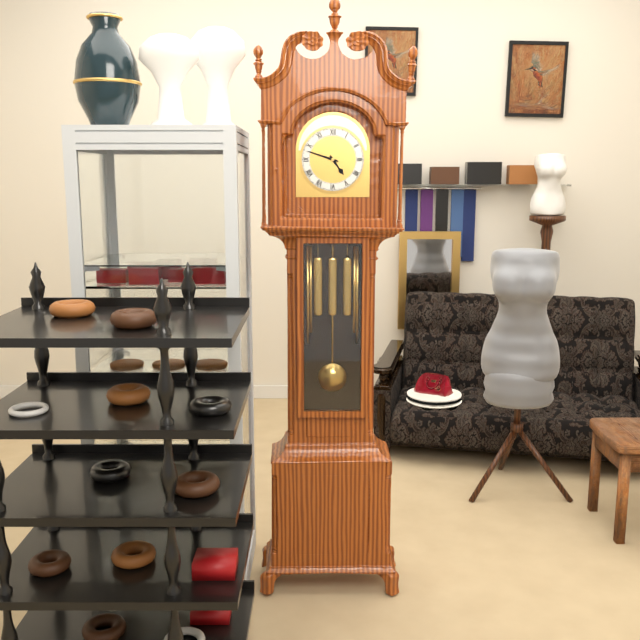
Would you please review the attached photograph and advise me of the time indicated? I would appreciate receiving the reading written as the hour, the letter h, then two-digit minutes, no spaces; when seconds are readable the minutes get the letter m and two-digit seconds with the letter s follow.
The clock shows 4h48
